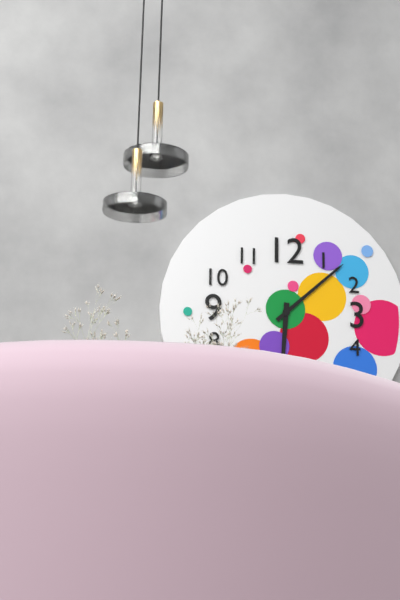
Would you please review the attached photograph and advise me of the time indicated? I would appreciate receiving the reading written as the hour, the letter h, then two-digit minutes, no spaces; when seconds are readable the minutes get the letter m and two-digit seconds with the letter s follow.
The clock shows 6h08
